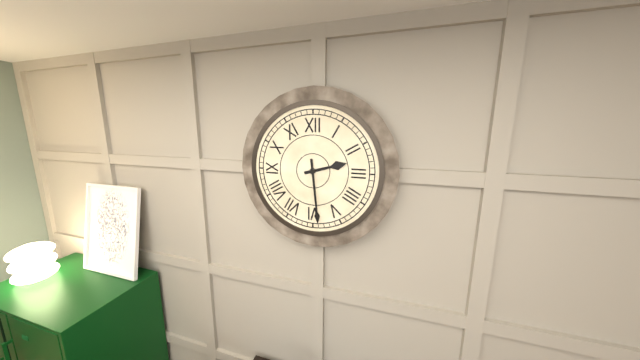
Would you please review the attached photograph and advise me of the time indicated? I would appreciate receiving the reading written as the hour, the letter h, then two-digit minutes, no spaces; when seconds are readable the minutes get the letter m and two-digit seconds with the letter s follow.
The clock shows 2h29
